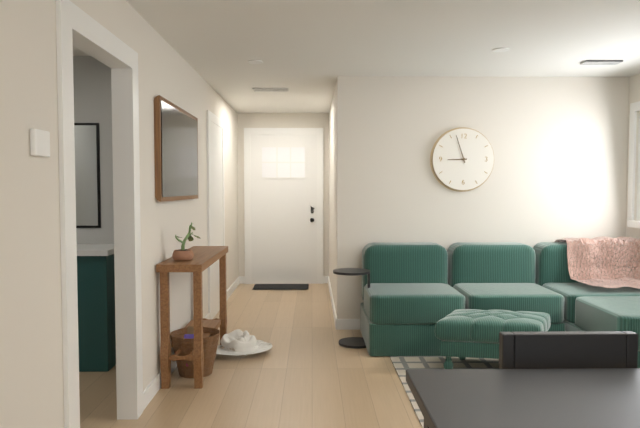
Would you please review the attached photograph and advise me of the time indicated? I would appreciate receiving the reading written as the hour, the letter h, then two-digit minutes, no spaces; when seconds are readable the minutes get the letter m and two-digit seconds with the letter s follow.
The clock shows 8h57
